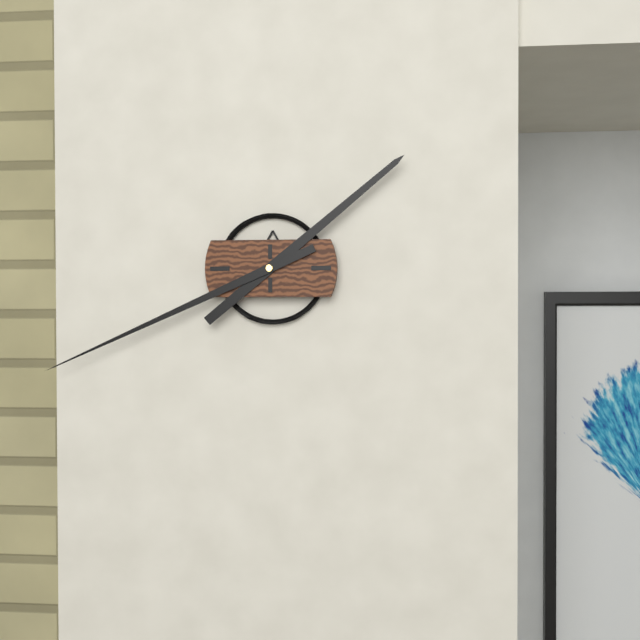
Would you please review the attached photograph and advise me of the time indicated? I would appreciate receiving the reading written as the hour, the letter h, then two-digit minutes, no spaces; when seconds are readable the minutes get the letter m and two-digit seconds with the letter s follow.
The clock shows 1h41
